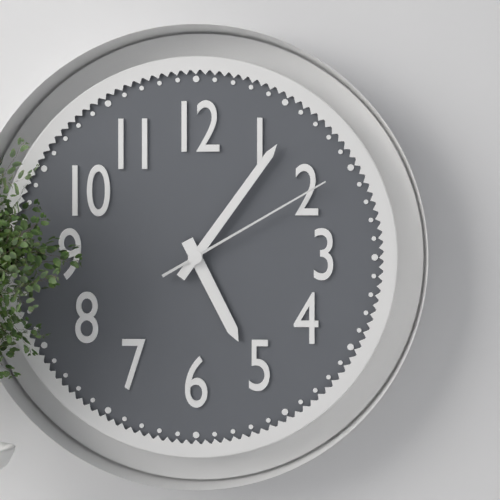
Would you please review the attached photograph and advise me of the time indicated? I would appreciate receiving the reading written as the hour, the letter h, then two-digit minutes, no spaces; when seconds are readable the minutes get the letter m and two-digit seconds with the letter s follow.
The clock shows 5h06m10s
